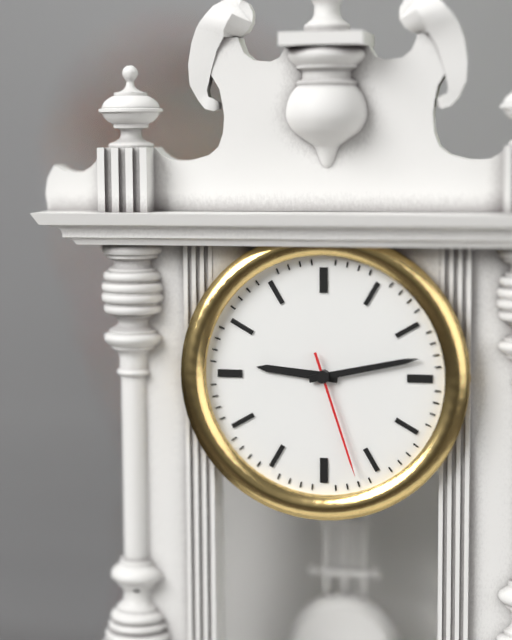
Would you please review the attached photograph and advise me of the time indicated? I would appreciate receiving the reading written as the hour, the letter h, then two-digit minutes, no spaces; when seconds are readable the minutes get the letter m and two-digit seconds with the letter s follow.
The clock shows 9h13m27s
